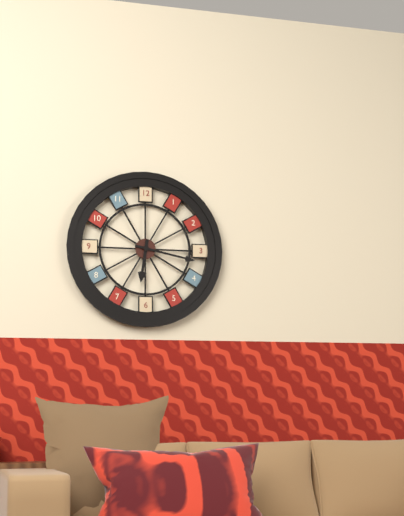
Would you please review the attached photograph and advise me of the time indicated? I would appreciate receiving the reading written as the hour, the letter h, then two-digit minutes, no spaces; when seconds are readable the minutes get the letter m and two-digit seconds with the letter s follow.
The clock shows 6h17
